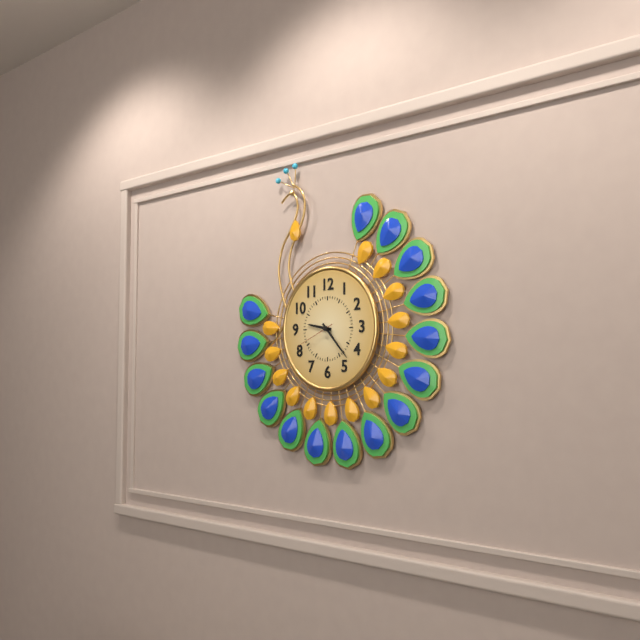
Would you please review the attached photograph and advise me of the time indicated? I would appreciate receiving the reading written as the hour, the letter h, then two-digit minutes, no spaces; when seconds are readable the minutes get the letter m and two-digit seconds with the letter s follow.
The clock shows 9h23
